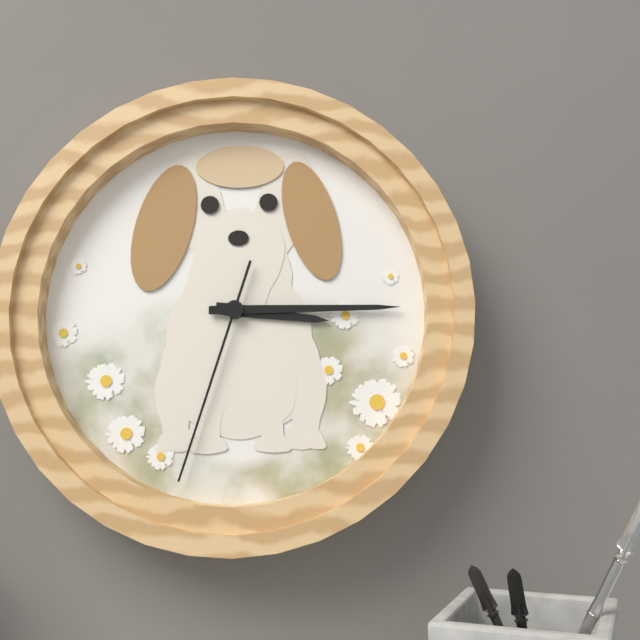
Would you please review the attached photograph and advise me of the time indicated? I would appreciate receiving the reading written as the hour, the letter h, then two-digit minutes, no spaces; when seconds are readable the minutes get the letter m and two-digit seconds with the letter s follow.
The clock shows 3h15m33s
